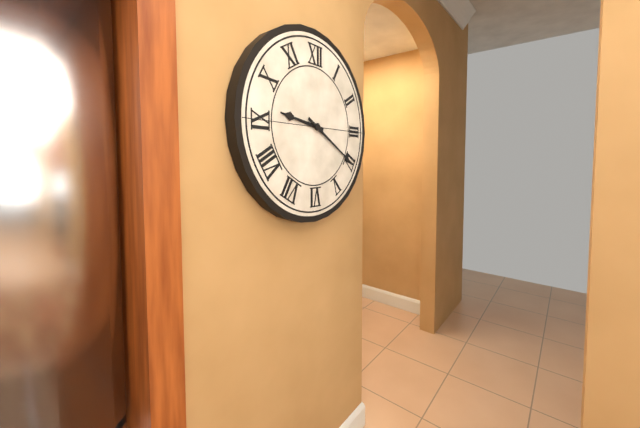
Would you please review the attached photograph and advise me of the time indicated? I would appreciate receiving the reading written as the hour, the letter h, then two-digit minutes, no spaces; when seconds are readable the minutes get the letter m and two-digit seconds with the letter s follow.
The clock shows 9h20
